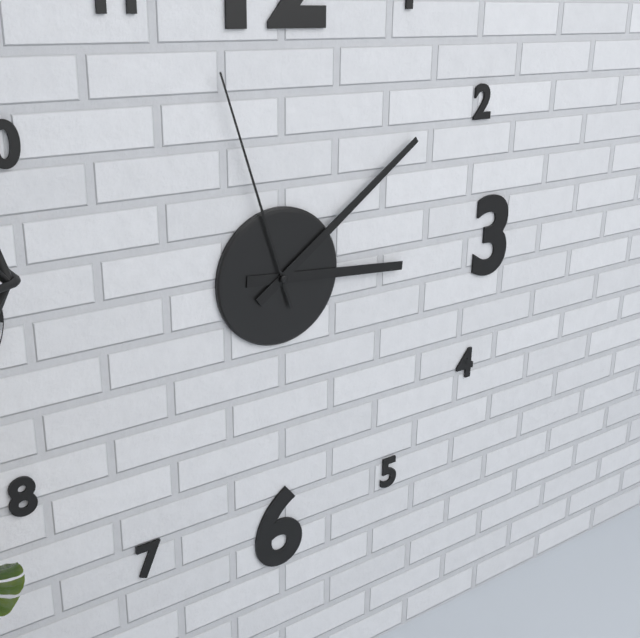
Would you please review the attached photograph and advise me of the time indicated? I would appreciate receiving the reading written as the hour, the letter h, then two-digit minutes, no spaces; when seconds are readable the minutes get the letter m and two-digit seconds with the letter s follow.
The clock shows 3h09m57s
